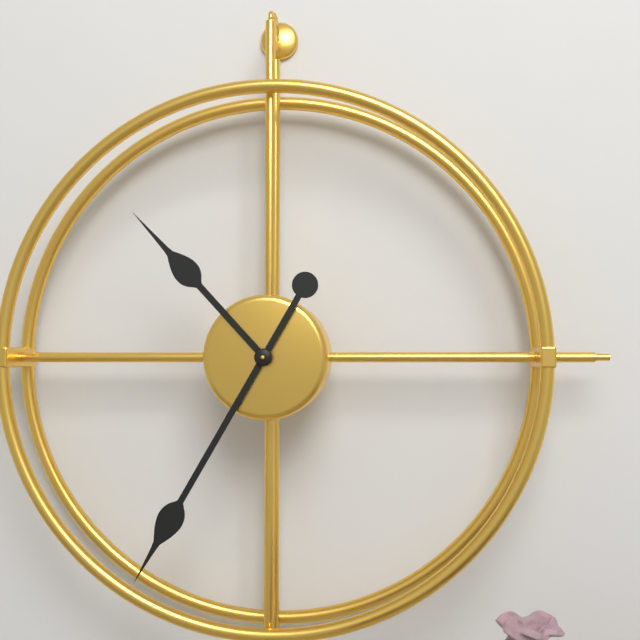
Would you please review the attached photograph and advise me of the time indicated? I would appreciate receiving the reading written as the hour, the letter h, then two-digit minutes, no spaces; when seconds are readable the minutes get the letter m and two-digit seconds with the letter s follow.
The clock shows 10h35
